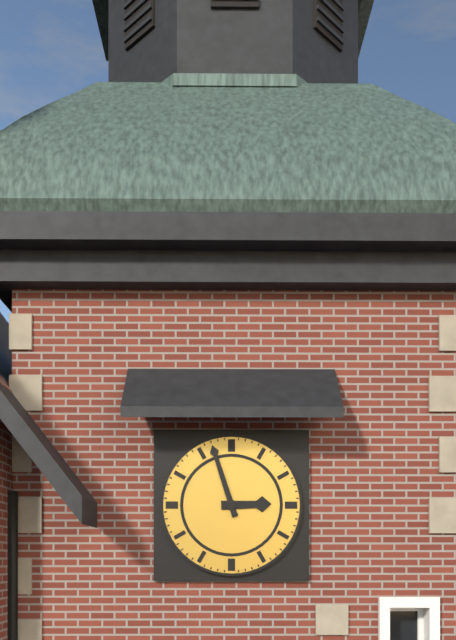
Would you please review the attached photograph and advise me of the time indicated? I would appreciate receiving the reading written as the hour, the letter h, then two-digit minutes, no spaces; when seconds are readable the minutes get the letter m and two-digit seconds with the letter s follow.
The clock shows 2h57
